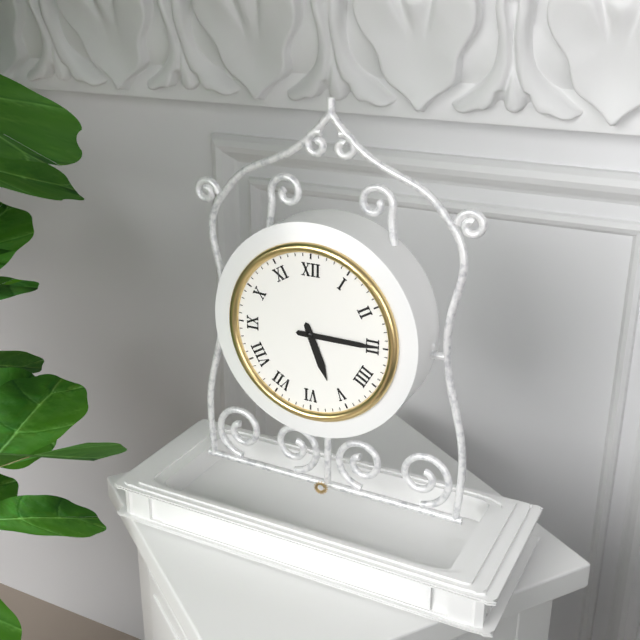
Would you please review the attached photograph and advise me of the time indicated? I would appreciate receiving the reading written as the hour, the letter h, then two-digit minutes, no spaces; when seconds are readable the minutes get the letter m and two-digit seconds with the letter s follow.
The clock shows 5h15
